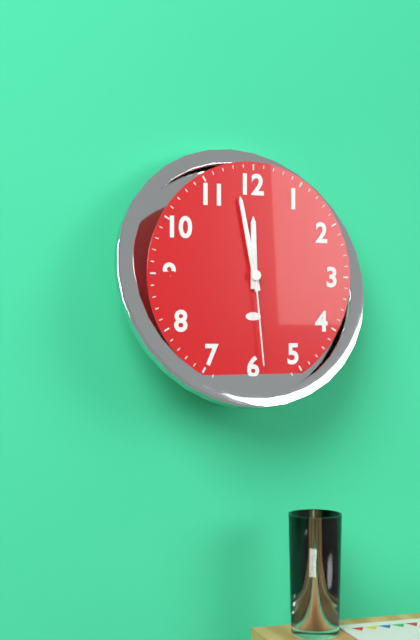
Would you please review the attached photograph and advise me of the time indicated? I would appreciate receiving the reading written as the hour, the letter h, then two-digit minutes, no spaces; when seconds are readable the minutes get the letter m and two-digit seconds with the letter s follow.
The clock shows 11h58m29s
